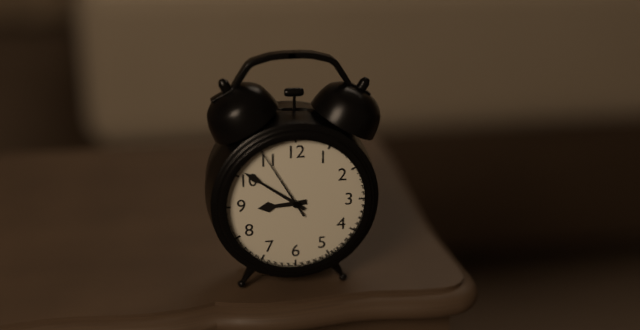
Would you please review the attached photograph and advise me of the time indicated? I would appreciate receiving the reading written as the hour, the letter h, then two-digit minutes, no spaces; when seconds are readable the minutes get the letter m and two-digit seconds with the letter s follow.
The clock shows 8h51m55s
